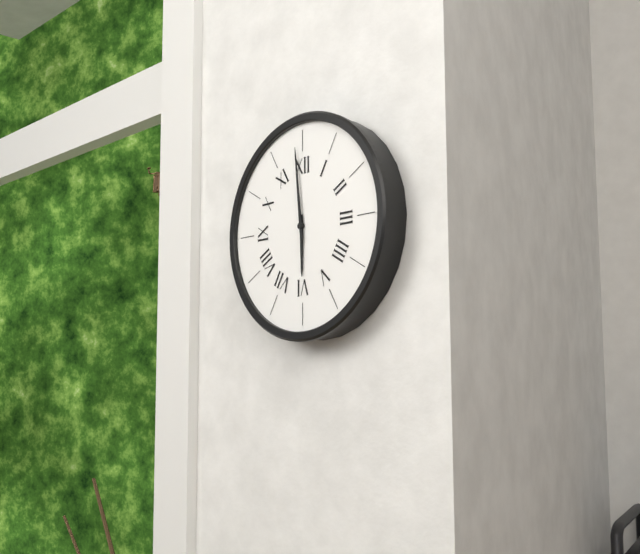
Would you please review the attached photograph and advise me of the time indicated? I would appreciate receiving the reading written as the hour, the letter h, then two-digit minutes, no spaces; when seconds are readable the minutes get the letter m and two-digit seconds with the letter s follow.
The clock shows 5h59
